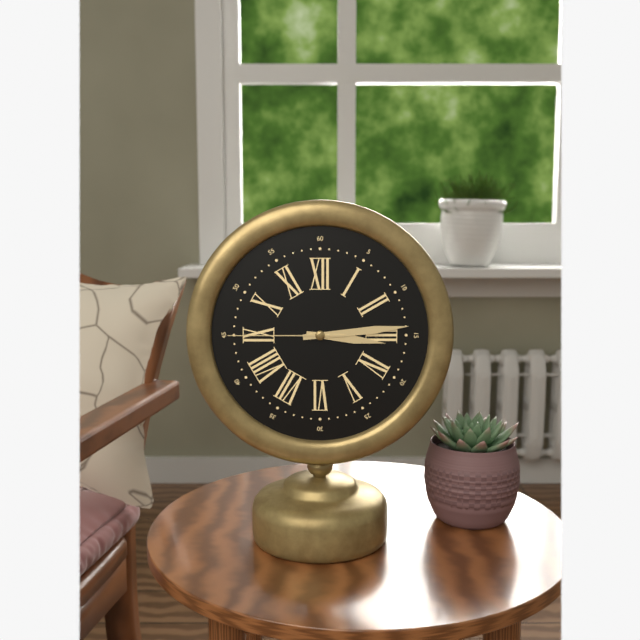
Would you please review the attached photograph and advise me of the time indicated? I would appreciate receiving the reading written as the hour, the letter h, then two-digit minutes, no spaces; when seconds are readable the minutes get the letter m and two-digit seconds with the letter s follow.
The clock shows 3h14m45s
